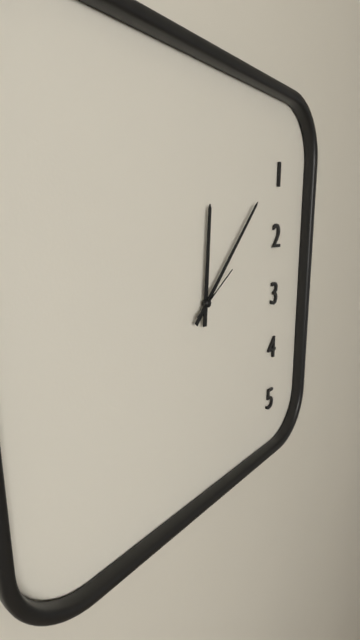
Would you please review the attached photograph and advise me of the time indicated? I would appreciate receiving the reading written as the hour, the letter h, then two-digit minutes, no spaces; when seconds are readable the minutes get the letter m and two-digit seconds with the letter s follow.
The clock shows 12h07m09s
